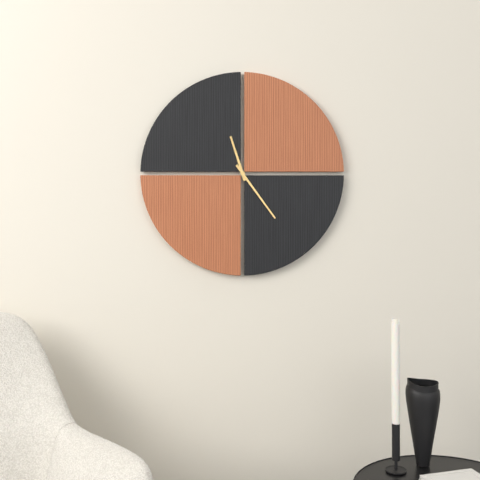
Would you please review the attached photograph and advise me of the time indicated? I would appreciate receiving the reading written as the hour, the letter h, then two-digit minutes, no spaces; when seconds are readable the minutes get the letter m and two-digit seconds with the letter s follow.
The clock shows 11h24
